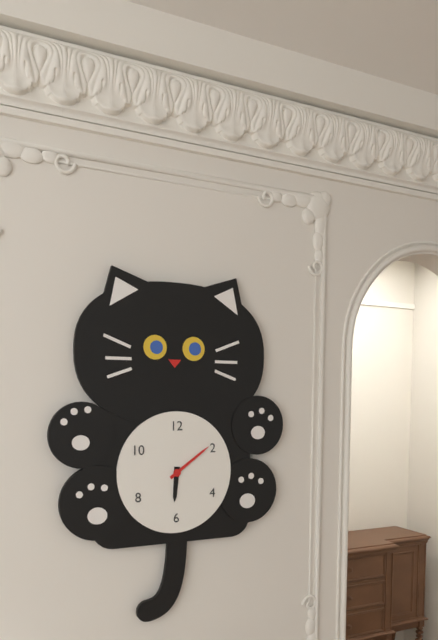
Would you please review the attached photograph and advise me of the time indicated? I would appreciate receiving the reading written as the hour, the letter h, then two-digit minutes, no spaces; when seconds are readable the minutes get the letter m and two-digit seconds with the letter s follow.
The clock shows 6h09
